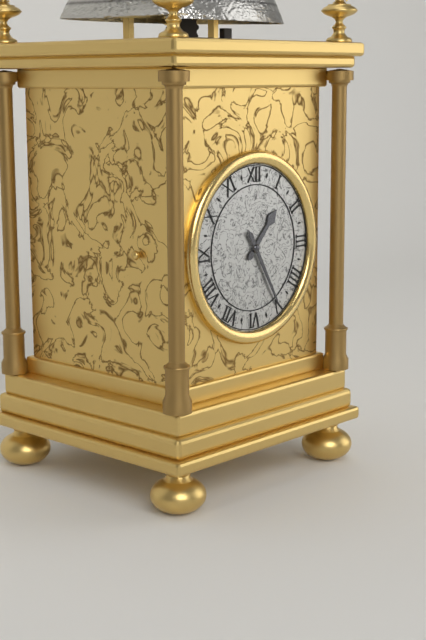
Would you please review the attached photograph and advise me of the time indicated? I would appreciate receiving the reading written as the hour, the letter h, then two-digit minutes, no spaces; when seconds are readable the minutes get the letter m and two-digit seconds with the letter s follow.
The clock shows 1h25
